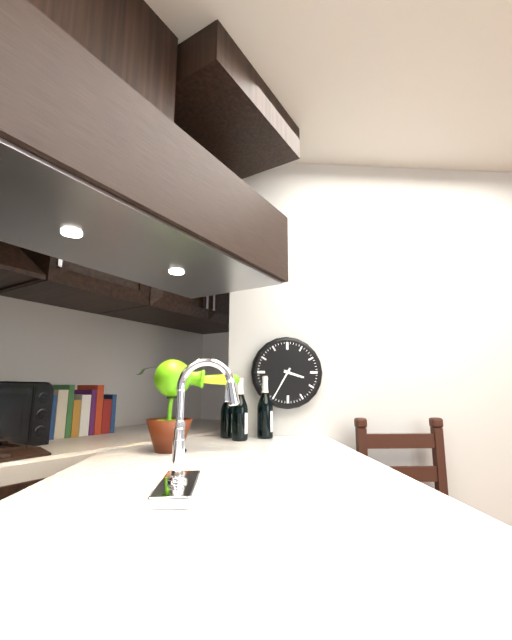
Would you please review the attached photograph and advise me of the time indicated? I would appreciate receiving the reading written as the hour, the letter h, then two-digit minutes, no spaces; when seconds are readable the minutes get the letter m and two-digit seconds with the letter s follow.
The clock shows 3h35
